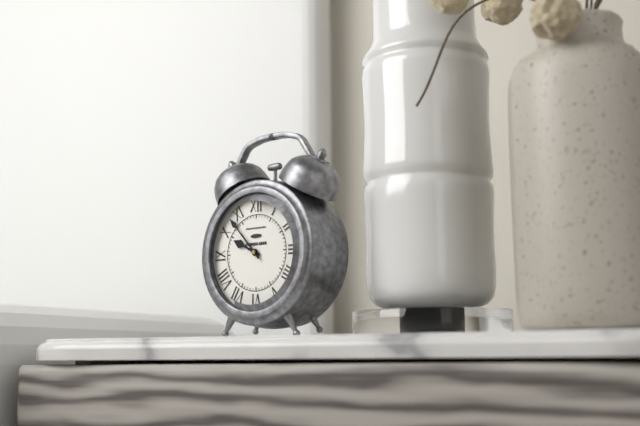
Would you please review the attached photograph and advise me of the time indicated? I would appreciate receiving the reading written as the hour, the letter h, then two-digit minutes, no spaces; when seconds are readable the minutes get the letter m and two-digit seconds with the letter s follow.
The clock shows 9h53
